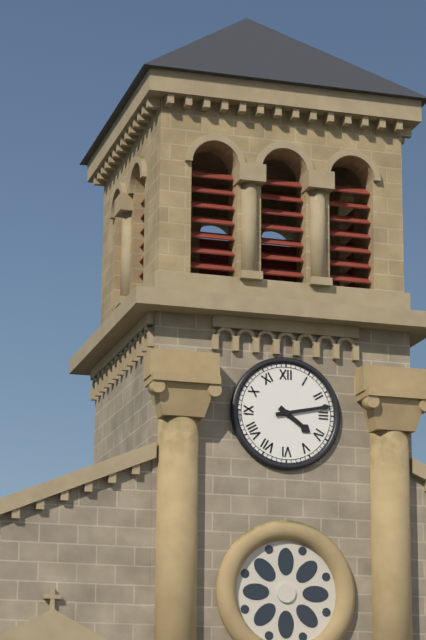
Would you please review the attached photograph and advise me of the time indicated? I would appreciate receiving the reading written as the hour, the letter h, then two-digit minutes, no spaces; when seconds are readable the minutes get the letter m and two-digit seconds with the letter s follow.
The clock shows 4h13
